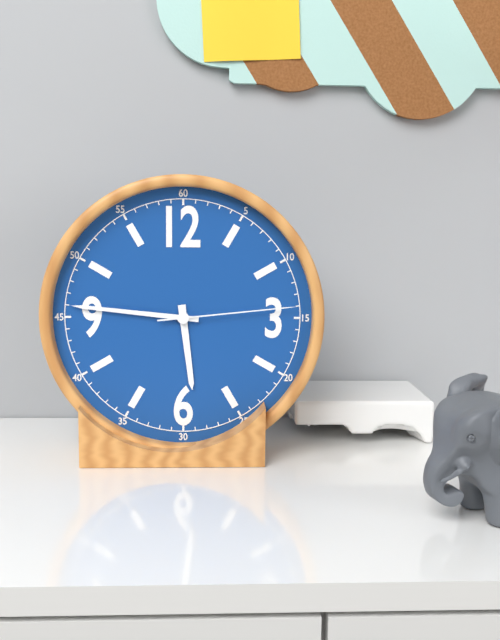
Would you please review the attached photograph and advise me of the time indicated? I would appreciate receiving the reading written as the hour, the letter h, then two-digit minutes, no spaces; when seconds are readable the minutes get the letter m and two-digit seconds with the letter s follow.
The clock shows 5h46m14s
